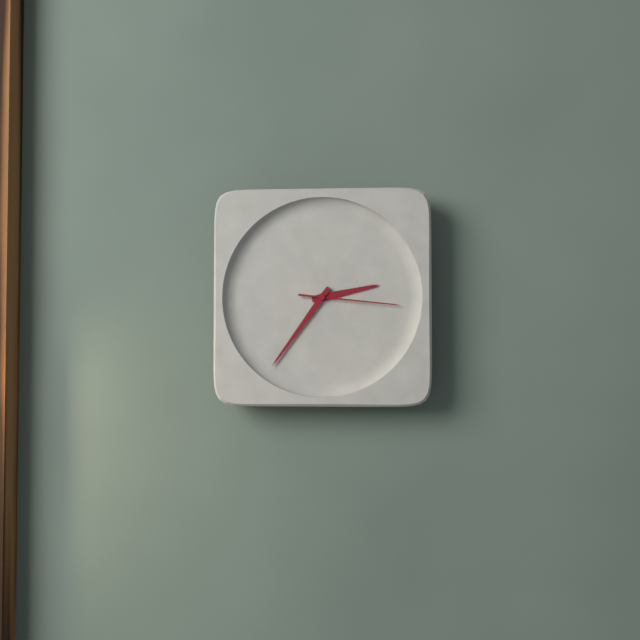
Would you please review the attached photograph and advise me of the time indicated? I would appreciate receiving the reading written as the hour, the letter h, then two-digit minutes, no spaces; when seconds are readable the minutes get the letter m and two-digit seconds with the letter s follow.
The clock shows 2h36m16s
